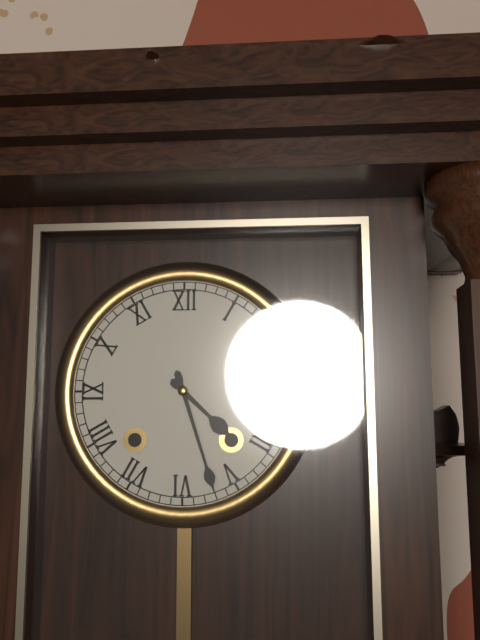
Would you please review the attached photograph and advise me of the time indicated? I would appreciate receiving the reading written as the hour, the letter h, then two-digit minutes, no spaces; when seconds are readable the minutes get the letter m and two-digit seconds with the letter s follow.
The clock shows 4h27
